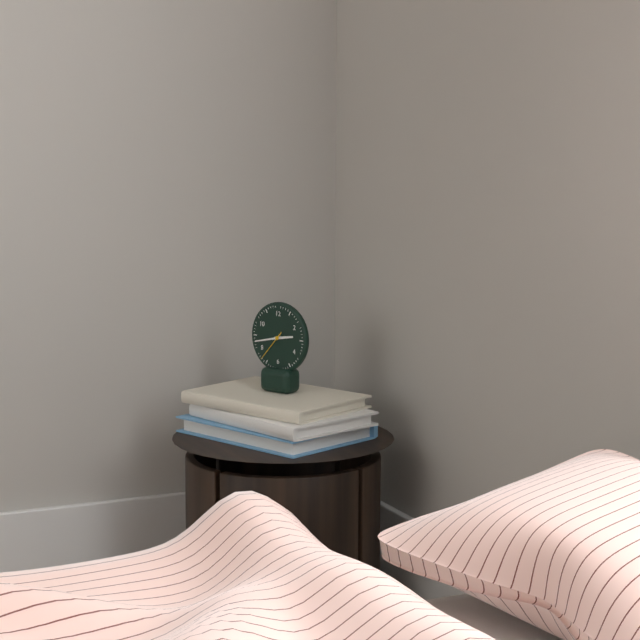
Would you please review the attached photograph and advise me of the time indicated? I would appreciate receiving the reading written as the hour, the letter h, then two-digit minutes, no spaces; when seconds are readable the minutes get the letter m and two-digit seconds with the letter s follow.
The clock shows 2h43
